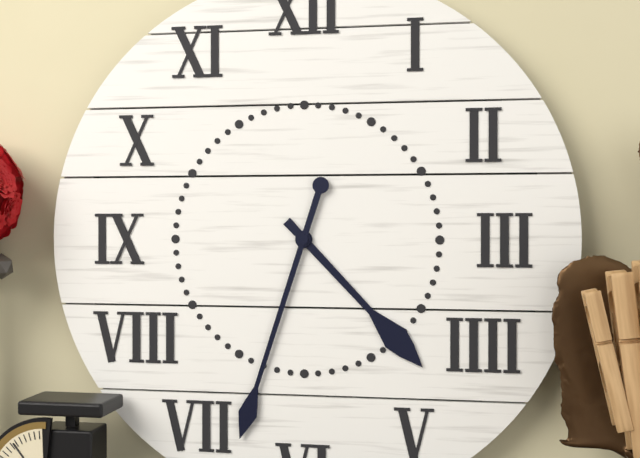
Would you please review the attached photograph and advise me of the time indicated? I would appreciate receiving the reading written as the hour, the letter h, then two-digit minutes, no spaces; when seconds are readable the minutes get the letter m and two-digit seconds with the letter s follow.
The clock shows 4h33
